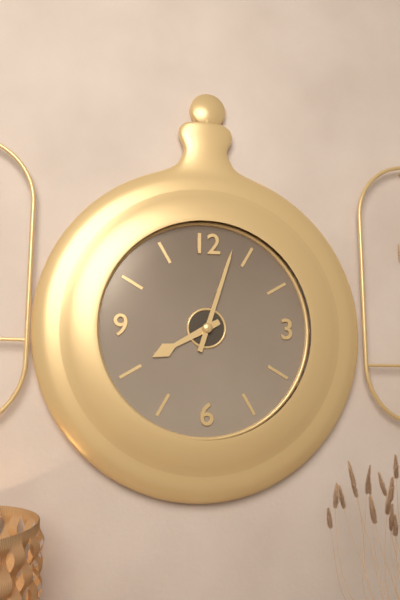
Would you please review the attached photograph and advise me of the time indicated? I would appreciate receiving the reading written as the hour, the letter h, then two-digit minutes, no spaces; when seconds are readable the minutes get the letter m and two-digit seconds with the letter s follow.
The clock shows 8h03
